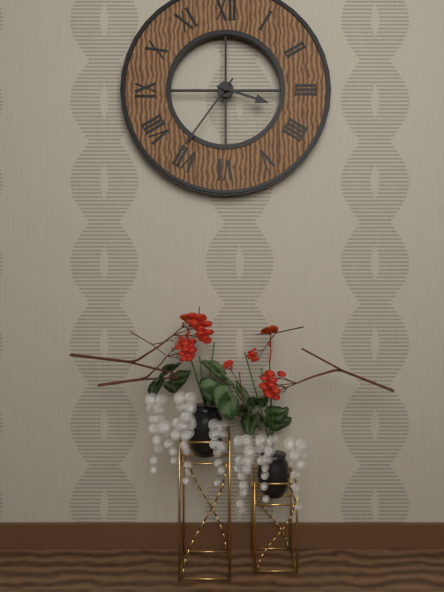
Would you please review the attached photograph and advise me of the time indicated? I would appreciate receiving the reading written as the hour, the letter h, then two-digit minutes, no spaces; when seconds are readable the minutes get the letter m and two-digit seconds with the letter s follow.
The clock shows 3h36
